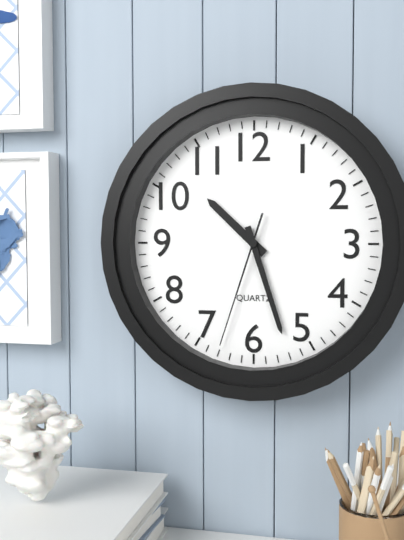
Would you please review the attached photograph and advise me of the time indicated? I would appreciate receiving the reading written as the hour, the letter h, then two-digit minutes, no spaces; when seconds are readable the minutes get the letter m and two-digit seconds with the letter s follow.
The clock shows 10h27m33s
